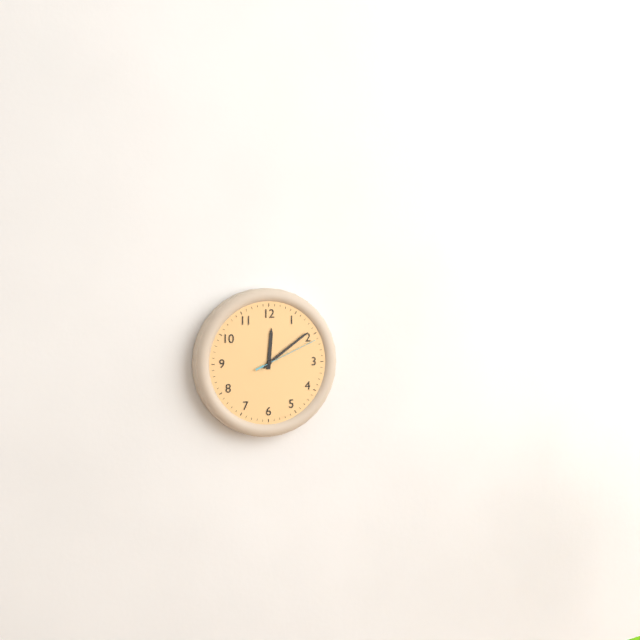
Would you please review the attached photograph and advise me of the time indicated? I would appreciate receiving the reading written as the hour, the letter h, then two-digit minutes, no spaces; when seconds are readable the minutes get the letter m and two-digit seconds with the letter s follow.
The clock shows 12h09m11s
